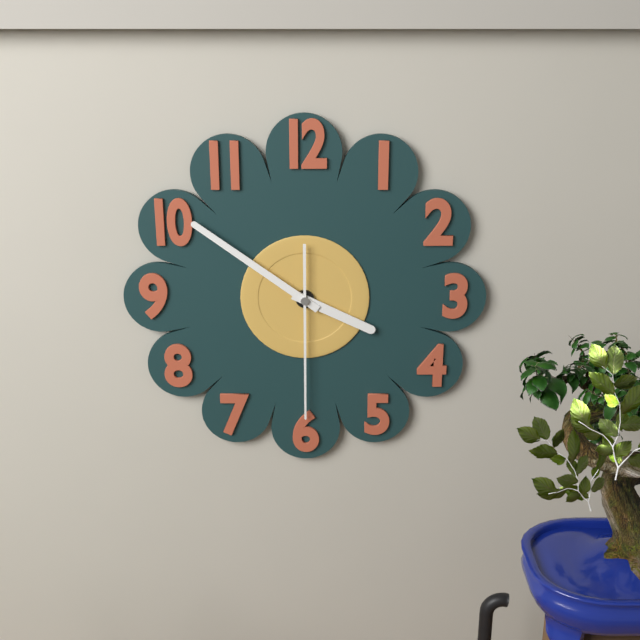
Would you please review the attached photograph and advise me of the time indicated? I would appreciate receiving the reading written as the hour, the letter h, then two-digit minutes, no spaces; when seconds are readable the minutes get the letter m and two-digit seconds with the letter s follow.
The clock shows 3h51m30s
